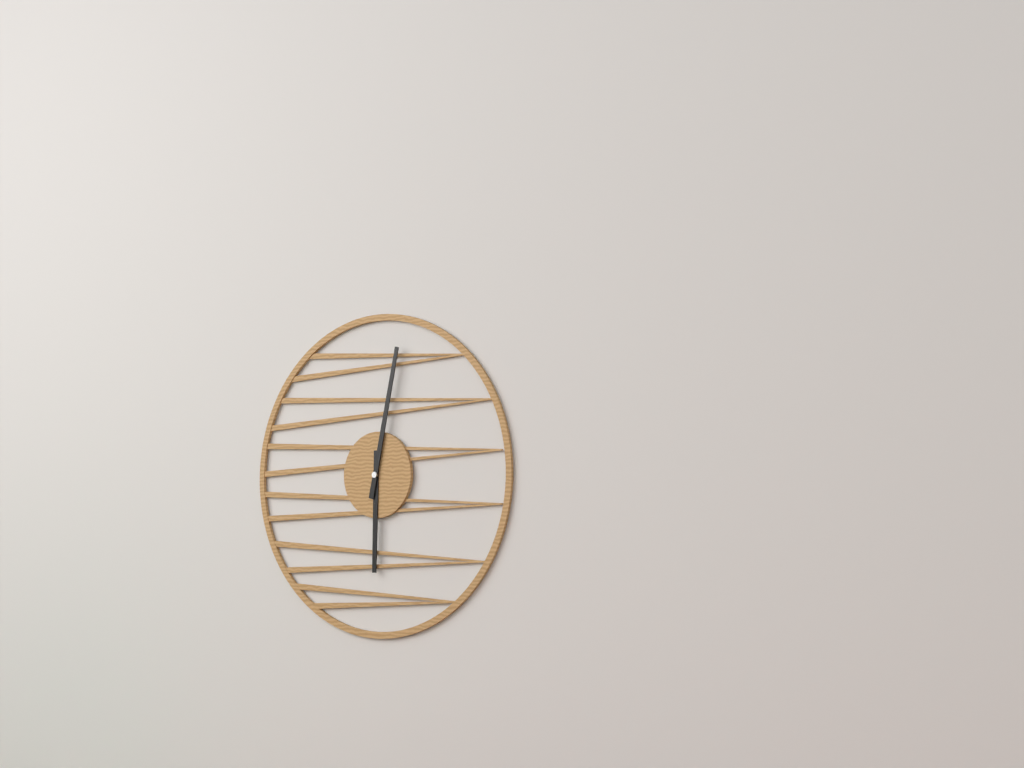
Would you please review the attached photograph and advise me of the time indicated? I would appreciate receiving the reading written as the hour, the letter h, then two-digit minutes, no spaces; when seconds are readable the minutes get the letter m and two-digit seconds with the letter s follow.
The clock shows 6h02
